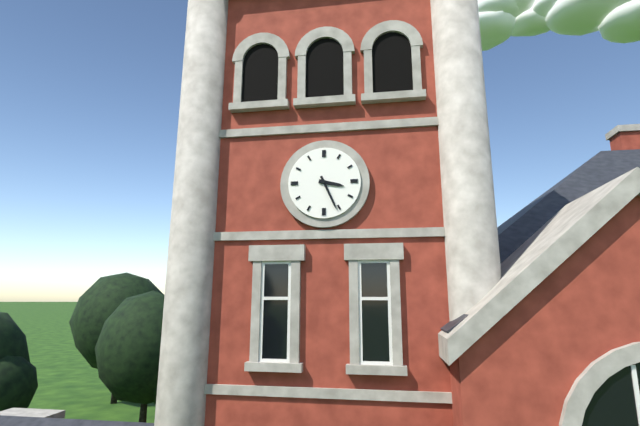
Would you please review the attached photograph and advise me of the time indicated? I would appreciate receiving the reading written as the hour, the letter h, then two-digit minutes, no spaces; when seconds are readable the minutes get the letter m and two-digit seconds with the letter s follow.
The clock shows 3h26
